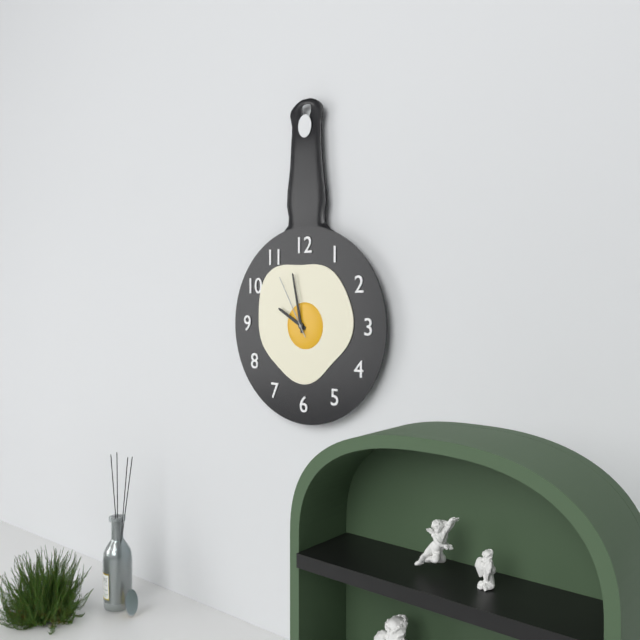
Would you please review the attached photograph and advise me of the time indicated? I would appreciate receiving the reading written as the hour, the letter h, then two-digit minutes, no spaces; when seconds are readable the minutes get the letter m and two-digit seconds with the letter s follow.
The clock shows 9h58m55s
